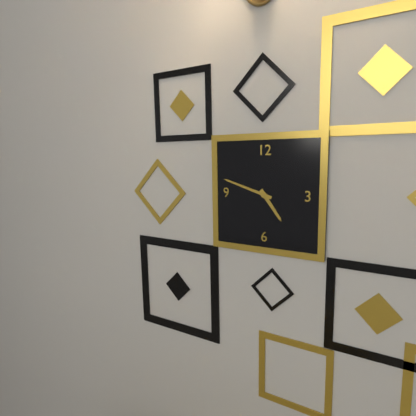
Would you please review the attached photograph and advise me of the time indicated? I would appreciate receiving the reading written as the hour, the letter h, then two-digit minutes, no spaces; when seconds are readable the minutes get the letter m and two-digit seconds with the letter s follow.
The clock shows 4h48
